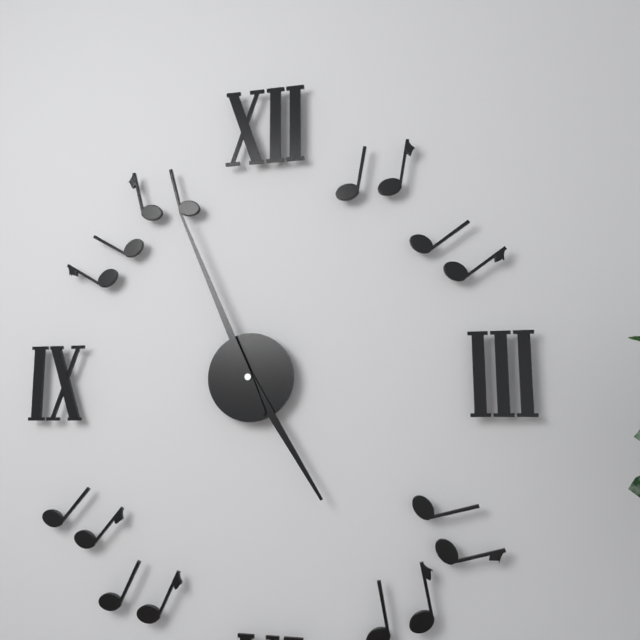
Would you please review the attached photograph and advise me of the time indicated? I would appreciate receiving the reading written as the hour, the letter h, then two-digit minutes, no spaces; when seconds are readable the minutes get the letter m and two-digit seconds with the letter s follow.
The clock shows 4h56
